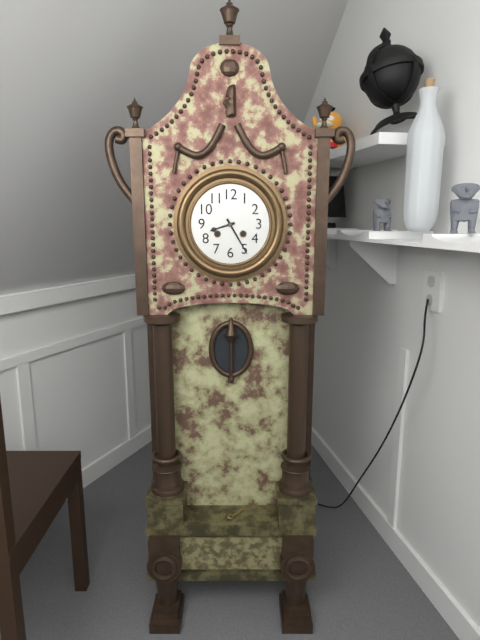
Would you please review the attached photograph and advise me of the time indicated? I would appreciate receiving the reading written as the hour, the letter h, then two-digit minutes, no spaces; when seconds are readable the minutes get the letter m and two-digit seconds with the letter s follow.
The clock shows 8h25
